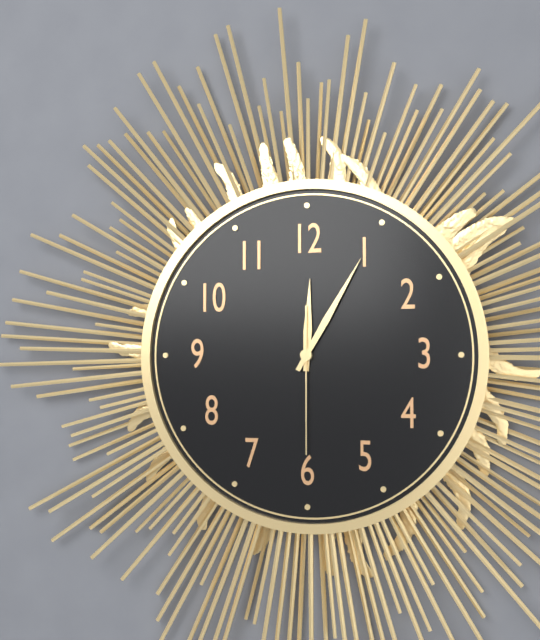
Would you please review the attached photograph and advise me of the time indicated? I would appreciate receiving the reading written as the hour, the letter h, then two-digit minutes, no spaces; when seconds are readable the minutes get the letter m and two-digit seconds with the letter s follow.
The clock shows 12h05m30s
